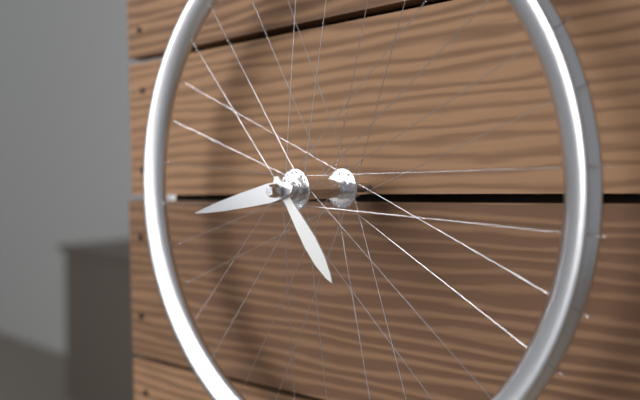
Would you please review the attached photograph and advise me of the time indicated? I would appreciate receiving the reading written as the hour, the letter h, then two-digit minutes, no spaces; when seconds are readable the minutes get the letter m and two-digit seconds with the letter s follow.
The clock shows 4h43
